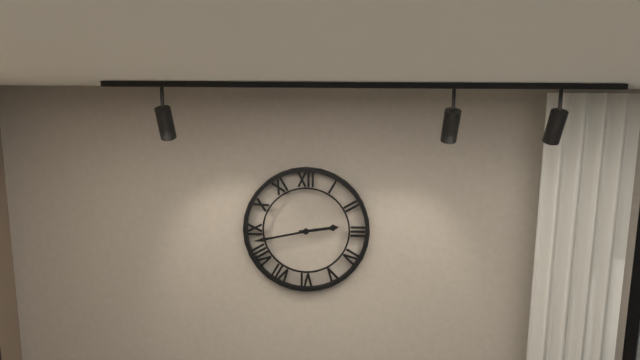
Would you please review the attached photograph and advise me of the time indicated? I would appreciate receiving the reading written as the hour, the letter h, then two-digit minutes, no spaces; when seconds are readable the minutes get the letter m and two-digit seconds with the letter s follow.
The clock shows 2h43
